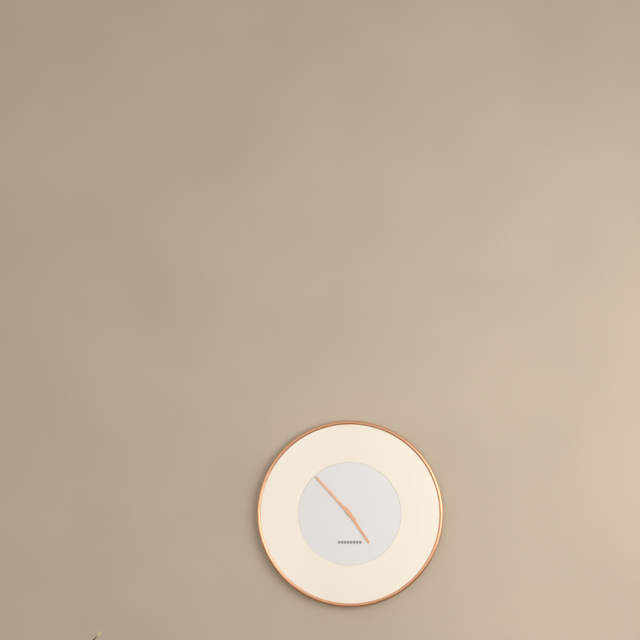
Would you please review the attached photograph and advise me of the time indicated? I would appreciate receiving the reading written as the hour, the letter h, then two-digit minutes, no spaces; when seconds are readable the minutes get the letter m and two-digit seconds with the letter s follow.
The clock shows 4h53
